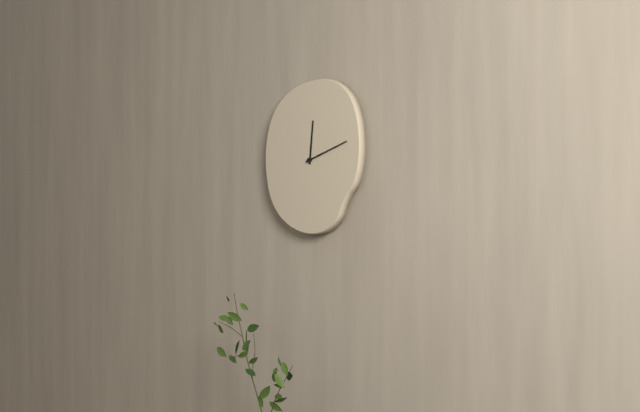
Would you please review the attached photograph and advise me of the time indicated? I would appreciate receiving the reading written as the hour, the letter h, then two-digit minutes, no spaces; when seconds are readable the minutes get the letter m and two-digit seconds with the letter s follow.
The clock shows 12h12
